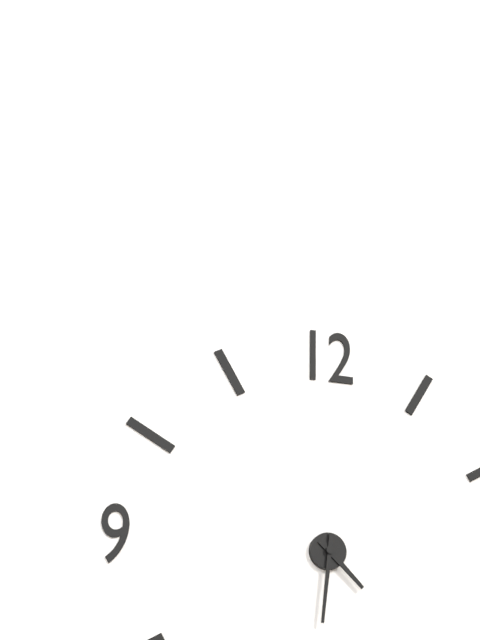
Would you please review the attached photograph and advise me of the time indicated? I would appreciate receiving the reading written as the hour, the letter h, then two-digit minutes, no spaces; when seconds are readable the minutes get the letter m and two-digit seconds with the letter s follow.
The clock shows 4h31
